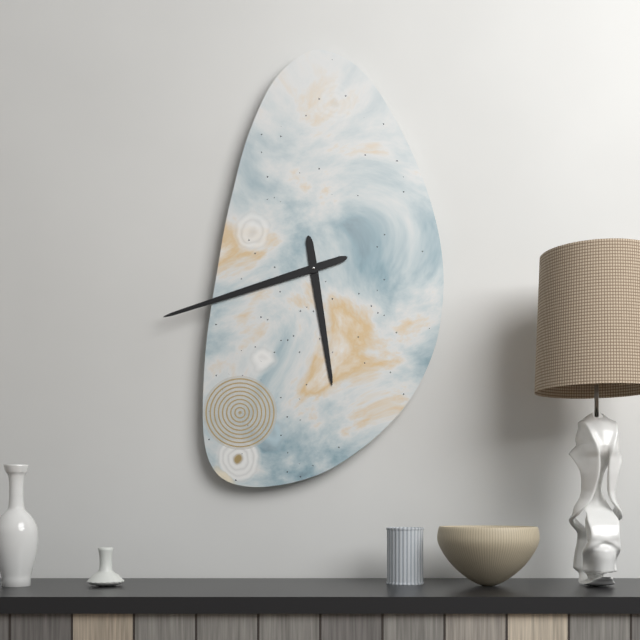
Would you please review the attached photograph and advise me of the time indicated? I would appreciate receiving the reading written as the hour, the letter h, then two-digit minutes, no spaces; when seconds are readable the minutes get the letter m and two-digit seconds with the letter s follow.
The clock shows 5h42
